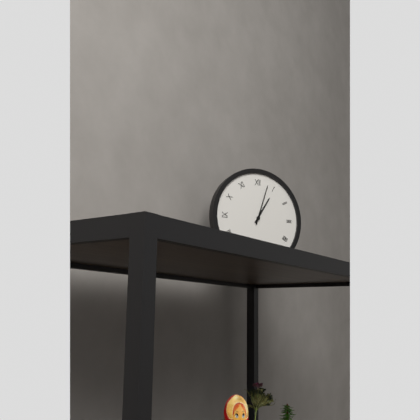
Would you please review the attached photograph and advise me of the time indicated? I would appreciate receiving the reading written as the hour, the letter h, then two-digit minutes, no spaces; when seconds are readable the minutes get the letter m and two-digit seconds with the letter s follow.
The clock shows 1h03
